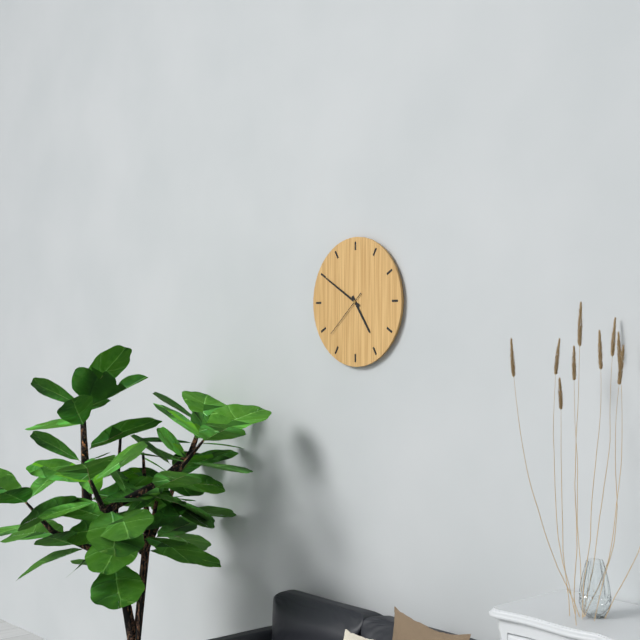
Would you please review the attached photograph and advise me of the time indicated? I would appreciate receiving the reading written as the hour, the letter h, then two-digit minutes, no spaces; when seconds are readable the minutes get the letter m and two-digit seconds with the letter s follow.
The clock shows 4h50
